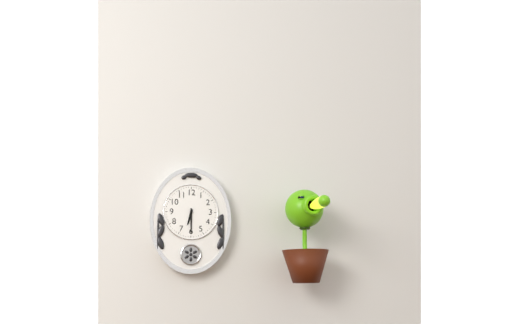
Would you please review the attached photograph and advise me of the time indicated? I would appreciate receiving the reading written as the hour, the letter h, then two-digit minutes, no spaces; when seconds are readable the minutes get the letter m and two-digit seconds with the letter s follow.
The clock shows 6h30
